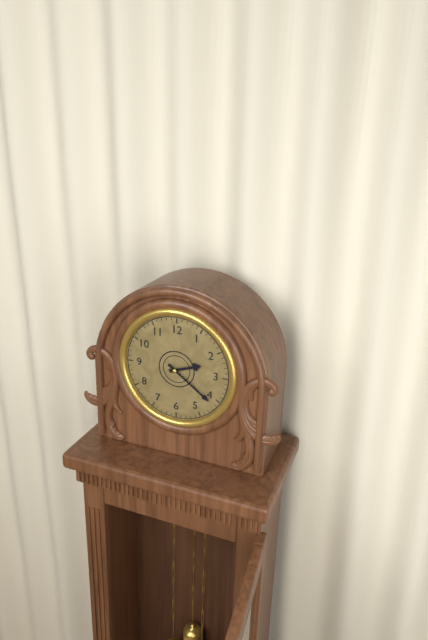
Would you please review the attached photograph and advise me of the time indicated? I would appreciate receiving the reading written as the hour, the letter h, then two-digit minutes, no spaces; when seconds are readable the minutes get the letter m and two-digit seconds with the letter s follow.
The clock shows 2h21
